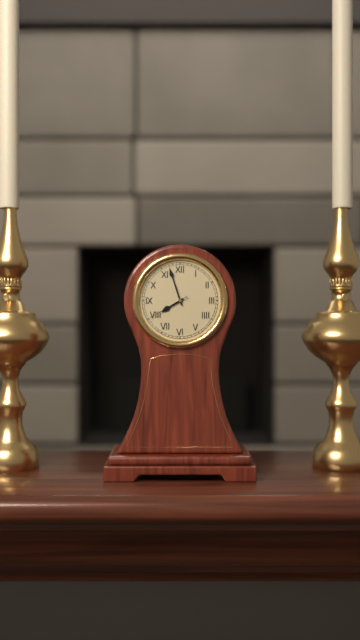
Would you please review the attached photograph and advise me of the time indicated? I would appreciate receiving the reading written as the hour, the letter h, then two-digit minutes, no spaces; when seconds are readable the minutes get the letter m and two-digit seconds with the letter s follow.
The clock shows 7h57
